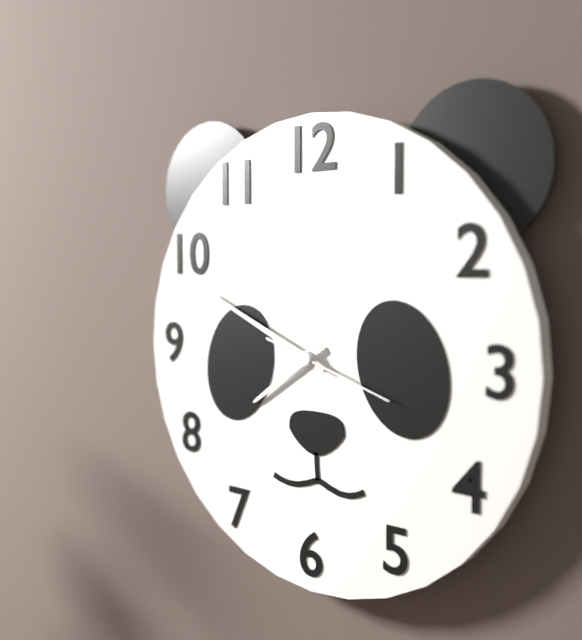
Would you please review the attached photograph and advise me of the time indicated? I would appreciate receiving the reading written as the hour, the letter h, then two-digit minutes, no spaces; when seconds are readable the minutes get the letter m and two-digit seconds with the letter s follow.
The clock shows 7h49m18s
